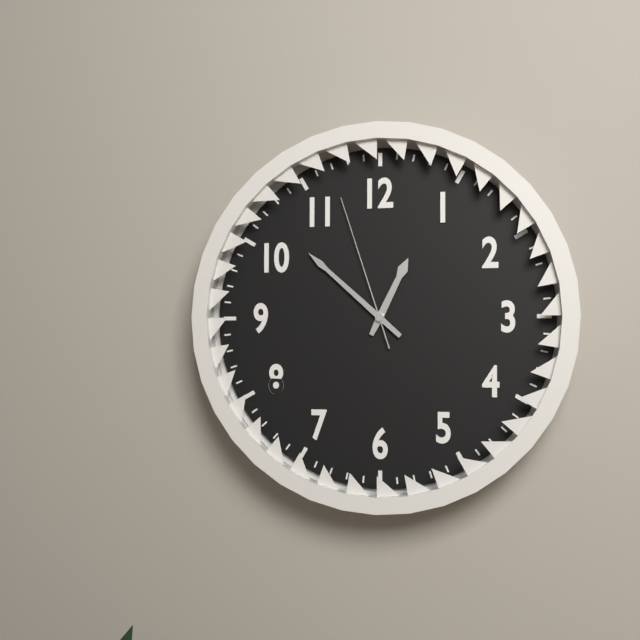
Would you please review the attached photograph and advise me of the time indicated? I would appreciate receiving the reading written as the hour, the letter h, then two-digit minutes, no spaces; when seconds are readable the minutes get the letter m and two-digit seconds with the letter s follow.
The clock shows 12h52m57s
